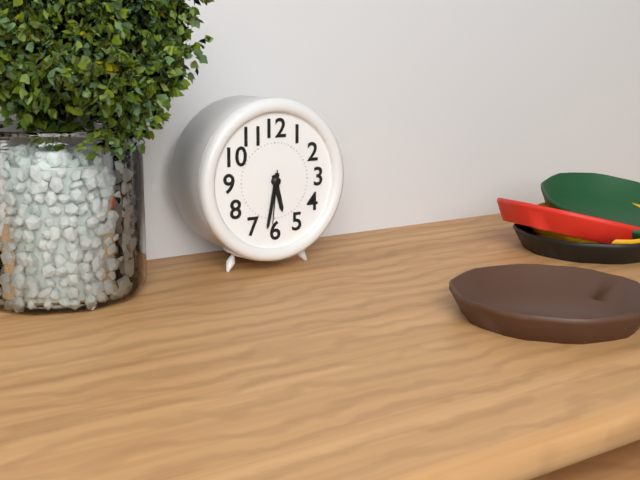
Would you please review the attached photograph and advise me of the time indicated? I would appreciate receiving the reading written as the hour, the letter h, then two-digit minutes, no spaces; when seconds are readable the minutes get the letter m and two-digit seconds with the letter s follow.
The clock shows 5h32m31s
